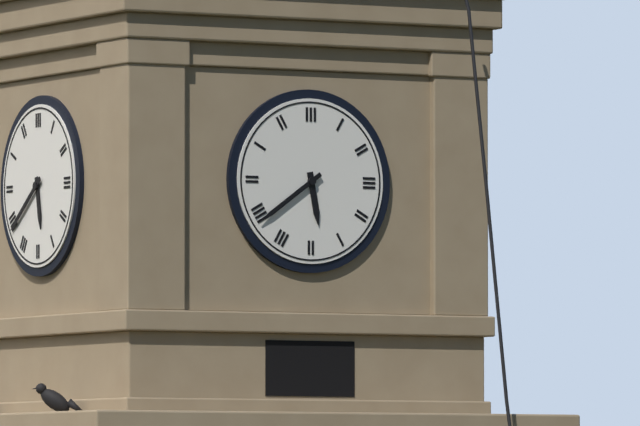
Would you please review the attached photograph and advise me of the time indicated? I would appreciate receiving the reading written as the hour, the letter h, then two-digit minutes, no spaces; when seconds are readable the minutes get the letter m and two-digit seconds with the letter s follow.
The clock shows 5h39
